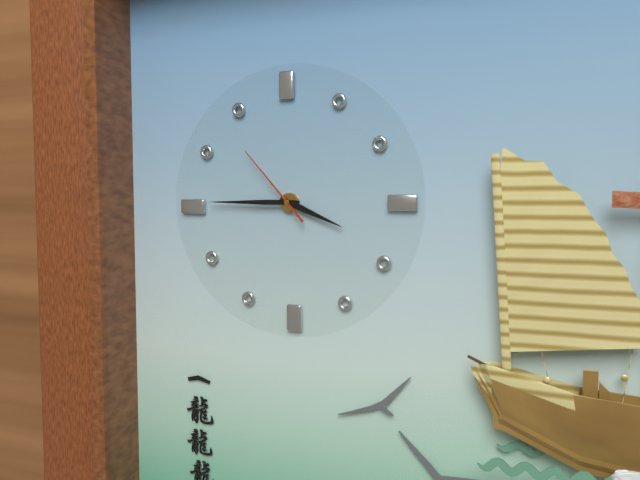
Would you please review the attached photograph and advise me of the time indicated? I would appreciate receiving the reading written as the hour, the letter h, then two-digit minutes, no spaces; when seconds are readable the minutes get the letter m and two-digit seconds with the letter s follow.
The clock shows 3h45m53s
